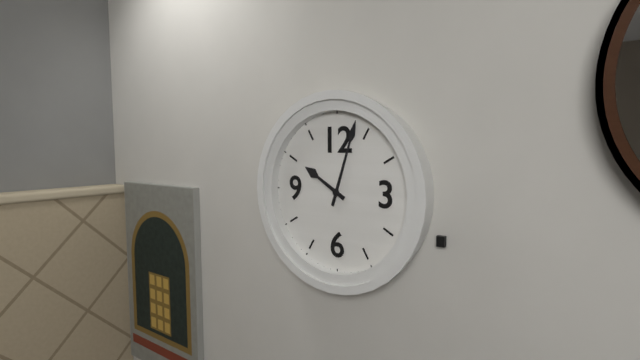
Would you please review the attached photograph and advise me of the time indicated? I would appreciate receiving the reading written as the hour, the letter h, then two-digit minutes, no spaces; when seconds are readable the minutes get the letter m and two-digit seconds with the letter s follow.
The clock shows 10h03
